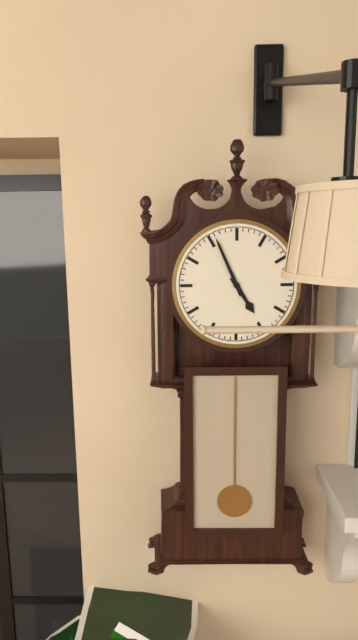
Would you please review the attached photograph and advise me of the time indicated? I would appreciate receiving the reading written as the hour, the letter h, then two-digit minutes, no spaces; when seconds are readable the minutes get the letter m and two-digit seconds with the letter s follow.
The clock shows 4h56
